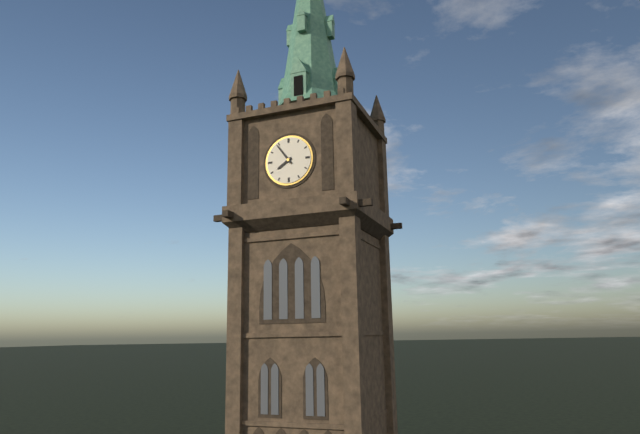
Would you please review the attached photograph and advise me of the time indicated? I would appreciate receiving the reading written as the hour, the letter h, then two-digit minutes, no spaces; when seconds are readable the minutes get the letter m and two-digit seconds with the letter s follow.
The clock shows 7h54
